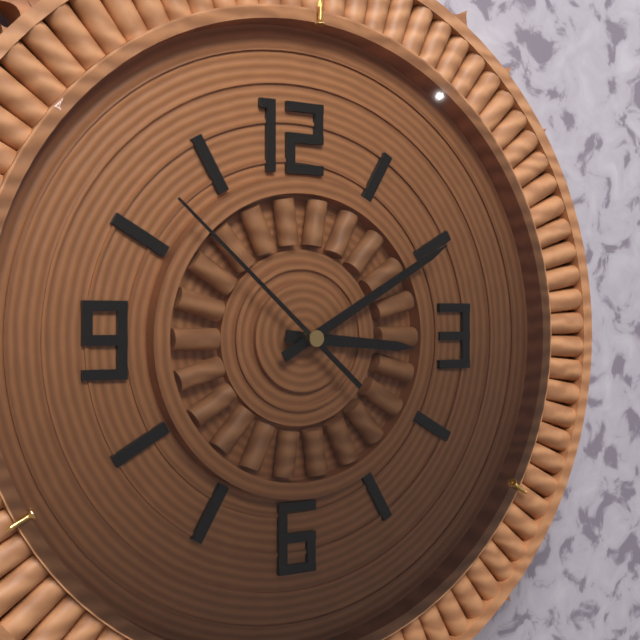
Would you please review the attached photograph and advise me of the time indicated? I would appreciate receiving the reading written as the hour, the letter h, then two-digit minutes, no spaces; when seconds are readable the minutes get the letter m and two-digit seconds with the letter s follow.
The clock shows 3h10m52s
